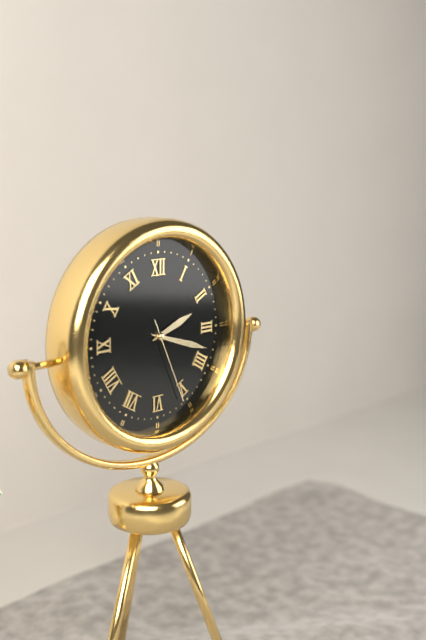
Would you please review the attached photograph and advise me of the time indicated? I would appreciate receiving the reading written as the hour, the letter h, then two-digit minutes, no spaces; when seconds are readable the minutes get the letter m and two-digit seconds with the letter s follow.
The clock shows 2h18m26s
